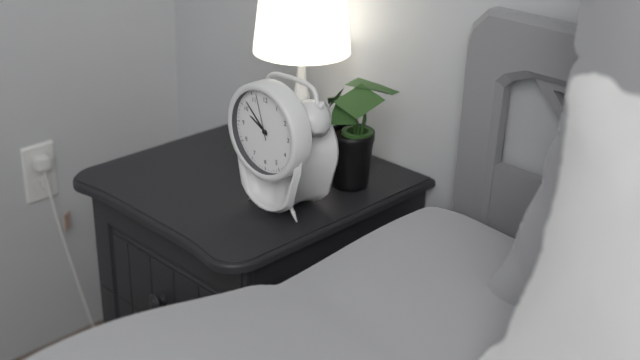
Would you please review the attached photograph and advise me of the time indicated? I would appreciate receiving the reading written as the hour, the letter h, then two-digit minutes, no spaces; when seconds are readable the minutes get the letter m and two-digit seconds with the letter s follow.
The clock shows 9h52
